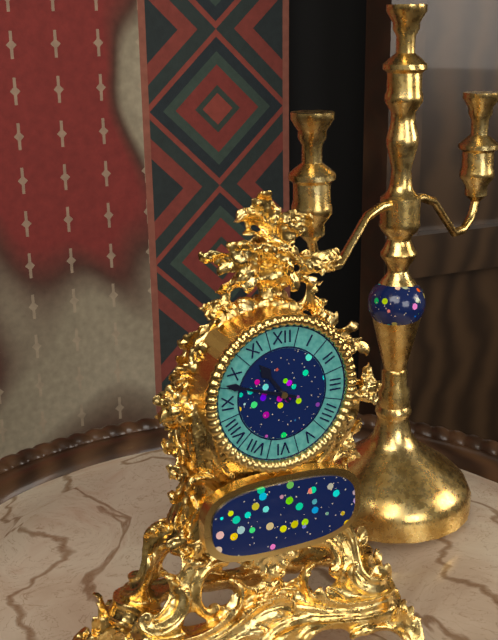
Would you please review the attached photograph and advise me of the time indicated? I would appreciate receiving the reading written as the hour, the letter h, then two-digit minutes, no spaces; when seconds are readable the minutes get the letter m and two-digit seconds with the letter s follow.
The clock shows 10h48
